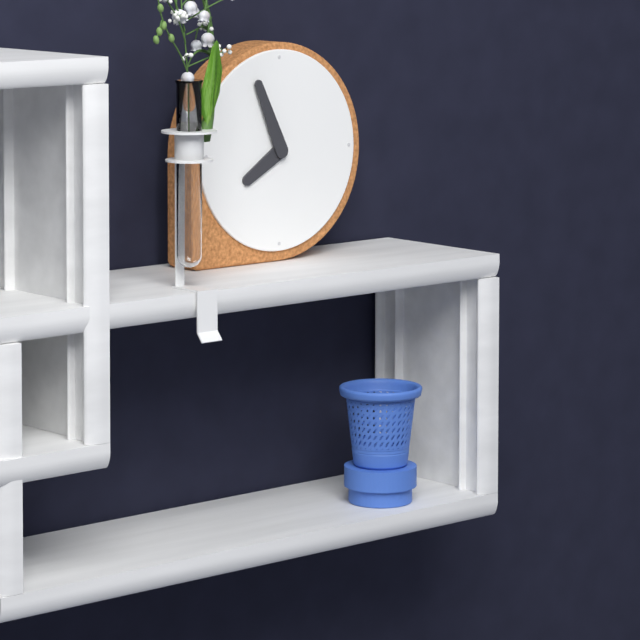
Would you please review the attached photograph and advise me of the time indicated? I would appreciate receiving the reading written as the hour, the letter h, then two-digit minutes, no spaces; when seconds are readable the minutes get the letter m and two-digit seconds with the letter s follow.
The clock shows 7h56
